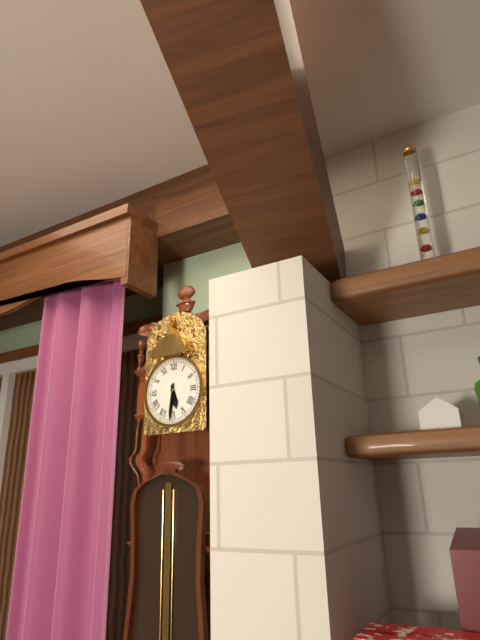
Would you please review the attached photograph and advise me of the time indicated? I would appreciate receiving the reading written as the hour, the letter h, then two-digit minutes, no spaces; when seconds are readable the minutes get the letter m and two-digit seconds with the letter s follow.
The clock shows 5h31
